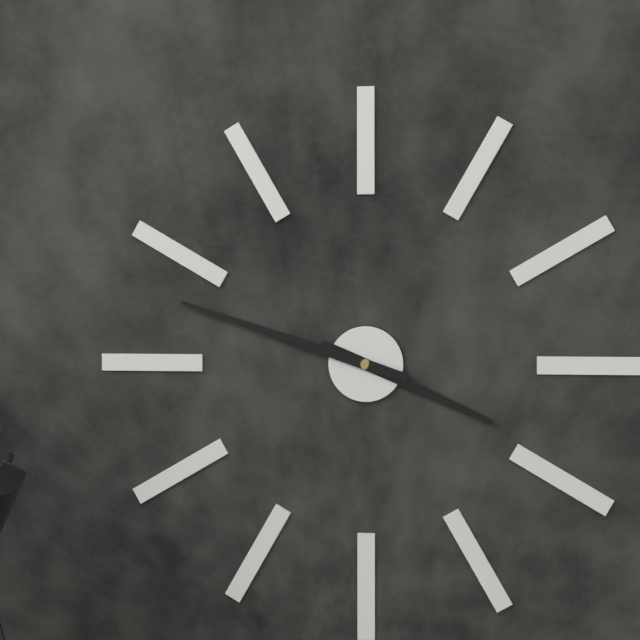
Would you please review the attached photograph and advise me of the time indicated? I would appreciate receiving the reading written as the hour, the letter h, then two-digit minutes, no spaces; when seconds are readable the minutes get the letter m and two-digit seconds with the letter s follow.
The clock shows 3h48
